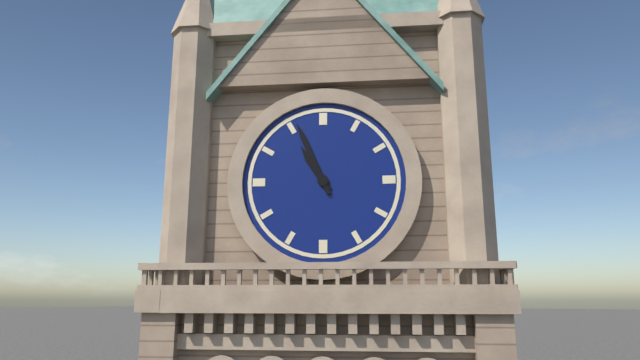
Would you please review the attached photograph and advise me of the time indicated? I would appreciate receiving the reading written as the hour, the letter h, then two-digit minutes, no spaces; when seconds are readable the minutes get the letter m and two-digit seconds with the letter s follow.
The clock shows 10h56
